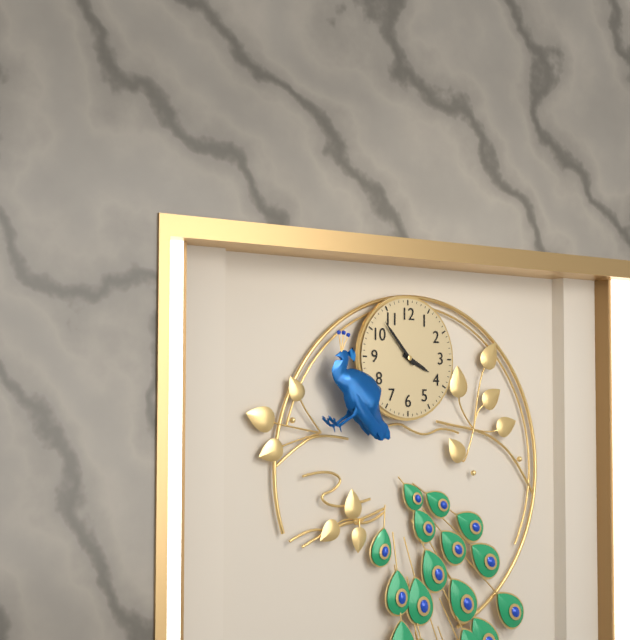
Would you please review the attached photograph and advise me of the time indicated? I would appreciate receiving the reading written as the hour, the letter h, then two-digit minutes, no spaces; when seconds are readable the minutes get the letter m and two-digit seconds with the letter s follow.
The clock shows 3h53
